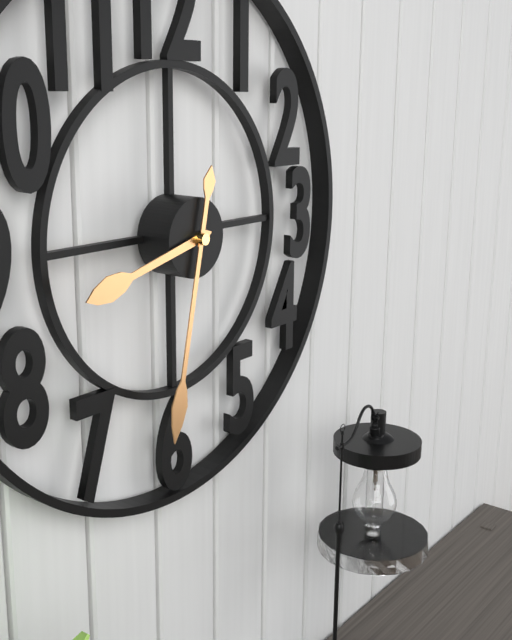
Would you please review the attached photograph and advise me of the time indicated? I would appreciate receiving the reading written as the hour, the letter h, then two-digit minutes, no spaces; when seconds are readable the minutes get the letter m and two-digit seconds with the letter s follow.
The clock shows 8h32
